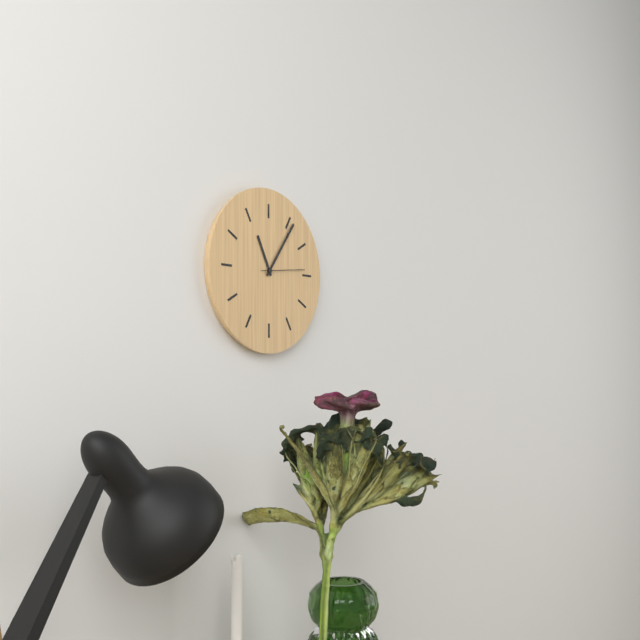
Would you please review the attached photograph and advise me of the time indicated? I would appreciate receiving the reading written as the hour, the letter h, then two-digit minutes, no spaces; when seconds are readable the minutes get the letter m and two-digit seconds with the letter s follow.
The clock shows 11h06
